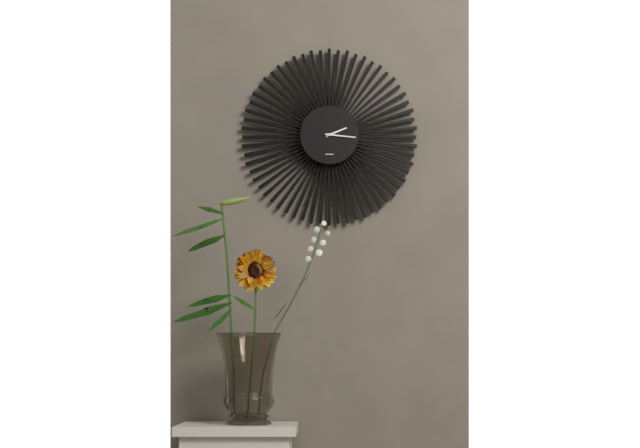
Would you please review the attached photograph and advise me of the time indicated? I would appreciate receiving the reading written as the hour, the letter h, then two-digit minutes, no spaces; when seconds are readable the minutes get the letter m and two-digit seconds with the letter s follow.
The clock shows 2h16
